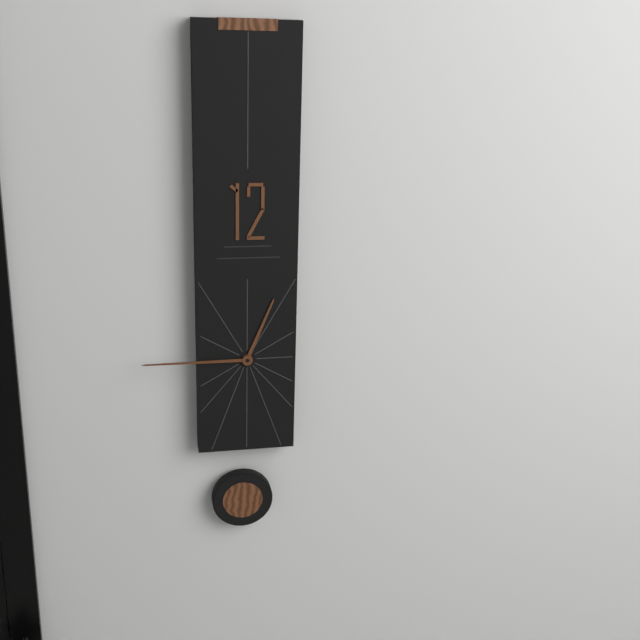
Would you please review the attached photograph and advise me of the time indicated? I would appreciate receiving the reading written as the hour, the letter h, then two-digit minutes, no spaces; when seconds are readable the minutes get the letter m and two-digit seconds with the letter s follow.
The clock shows 12h45
